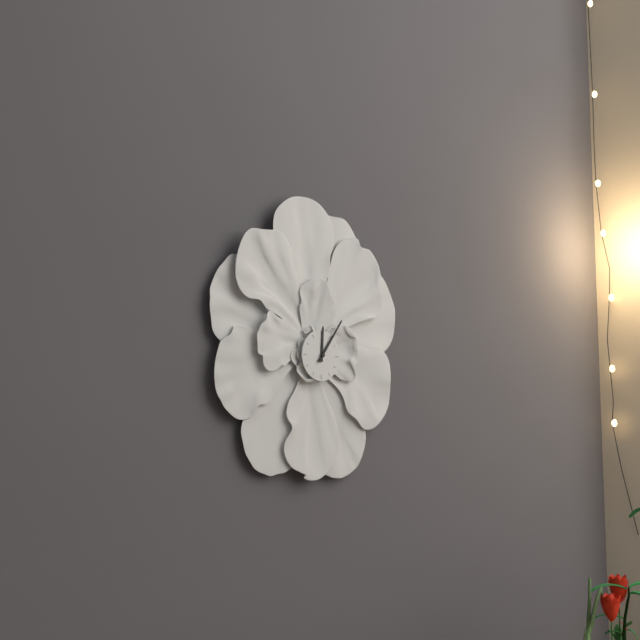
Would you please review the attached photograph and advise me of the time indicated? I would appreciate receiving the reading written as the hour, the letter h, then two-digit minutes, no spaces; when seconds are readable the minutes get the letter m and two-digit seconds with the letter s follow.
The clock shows 12h06
